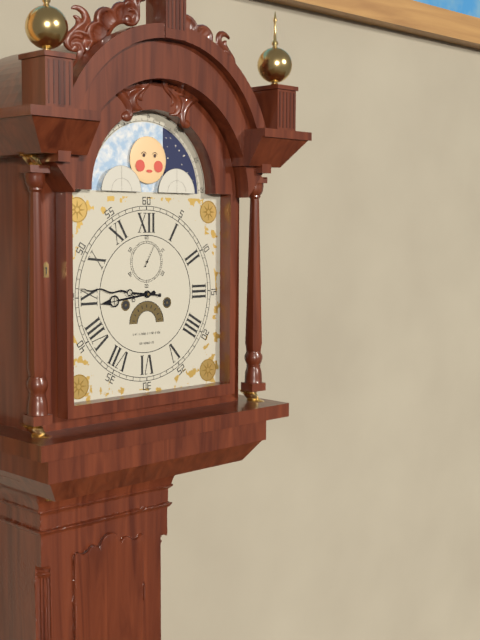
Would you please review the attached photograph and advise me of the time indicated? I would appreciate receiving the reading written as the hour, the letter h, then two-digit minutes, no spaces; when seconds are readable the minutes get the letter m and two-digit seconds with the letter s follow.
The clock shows 8h46
